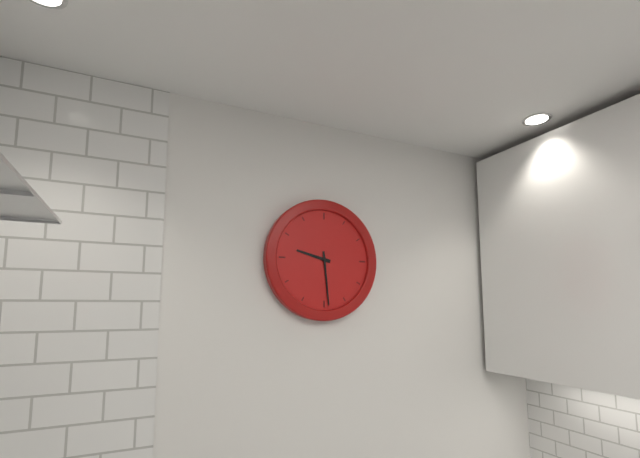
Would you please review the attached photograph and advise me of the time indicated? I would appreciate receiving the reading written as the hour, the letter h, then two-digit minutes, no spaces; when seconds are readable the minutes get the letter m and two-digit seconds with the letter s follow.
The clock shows 9h29
